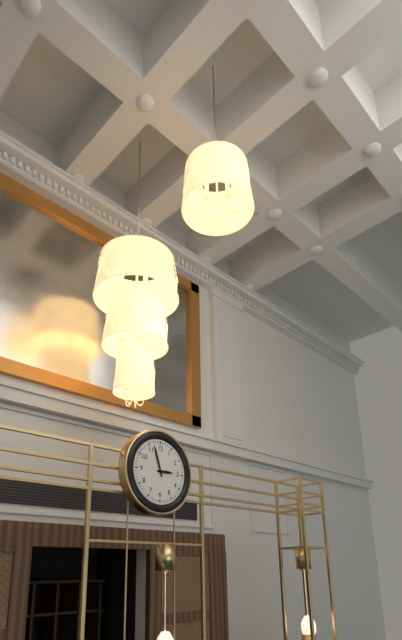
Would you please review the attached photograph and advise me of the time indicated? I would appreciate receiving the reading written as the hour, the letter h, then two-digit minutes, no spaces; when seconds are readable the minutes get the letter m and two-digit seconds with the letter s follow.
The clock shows 2h57
